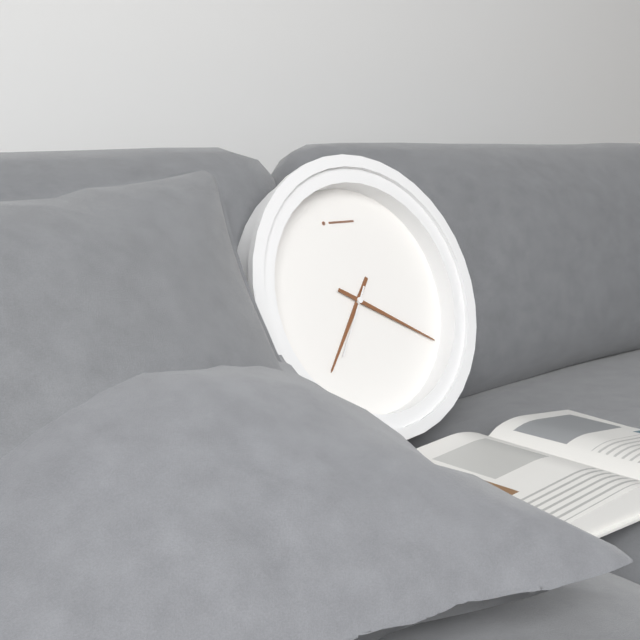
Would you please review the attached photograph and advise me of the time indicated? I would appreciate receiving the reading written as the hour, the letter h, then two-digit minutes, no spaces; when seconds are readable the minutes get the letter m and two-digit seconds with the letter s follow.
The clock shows 7h20m36s
